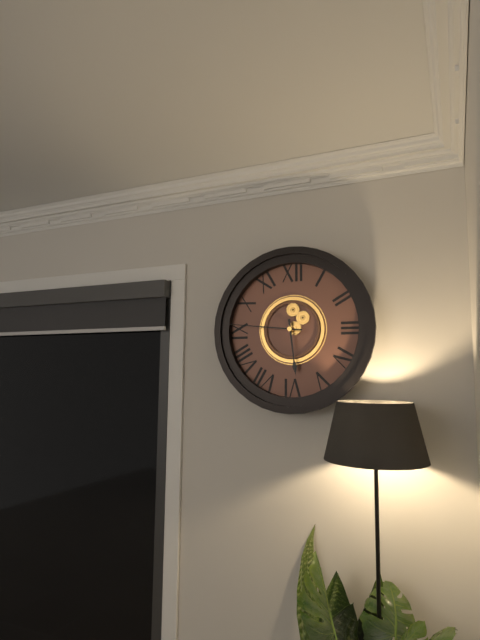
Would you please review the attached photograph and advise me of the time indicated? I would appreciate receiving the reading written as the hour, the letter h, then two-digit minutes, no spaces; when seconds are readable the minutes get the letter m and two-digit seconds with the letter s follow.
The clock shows 5h46
